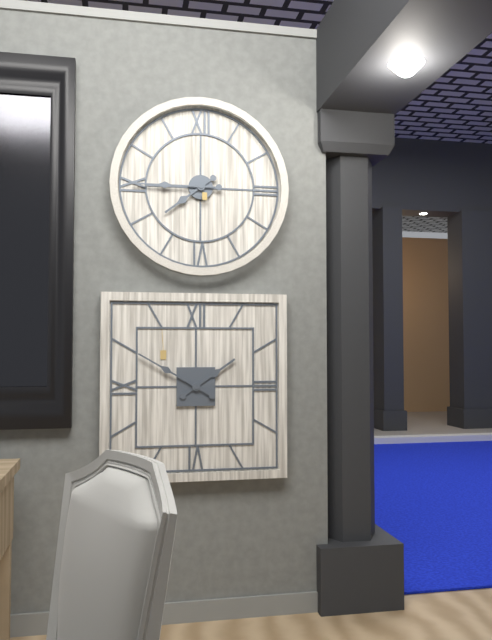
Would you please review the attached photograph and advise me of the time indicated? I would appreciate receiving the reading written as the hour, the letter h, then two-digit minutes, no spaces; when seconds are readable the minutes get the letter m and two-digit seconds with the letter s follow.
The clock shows 7h45
